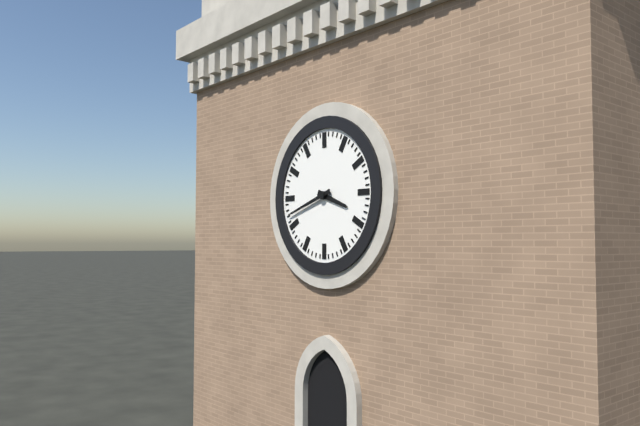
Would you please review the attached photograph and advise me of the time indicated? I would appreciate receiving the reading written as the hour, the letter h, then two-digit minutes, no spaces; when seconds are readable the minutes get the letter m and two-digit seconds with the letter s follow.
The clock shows 3h42
